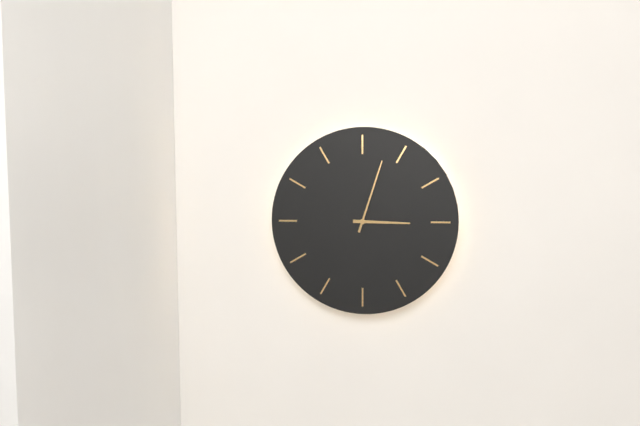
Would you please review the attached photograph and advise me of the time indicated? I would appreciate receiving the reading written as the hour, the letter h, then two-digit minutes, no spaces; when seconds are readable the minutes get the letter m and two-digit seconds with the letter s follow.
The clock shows 3h03
